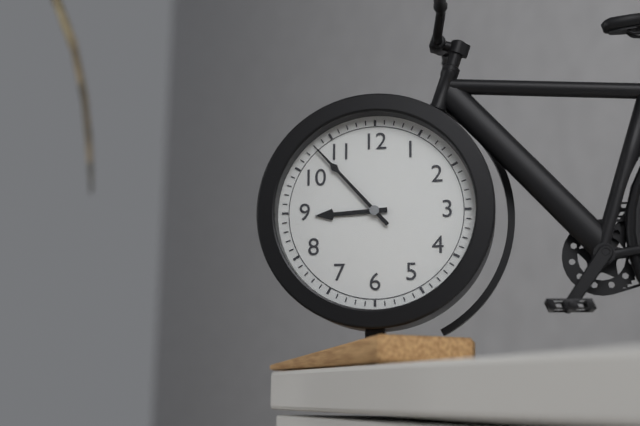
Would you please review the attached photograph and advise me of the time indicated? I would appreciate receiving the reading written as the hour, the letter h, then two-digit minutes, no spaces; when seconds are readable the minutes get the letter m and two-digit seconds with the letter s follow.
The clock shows 8h53
